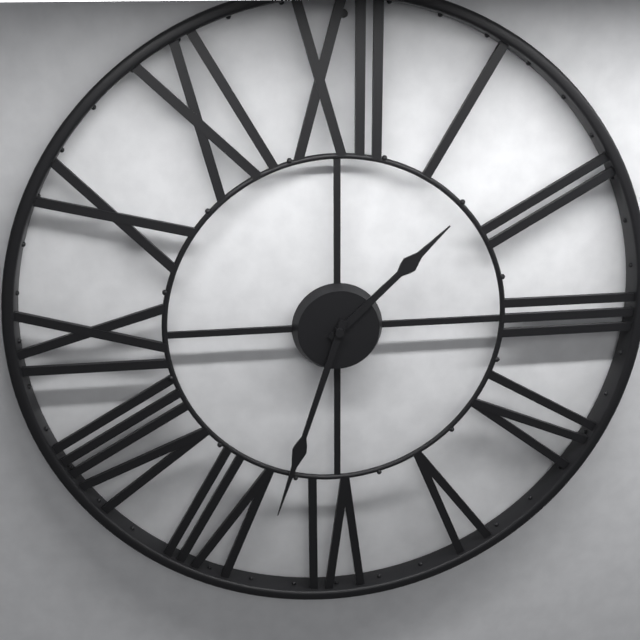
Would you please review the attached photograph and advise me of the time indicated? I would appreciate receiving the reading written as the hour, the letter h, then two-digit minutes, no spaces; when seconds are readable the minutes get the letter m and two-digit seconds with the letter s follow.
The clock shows 1h33
